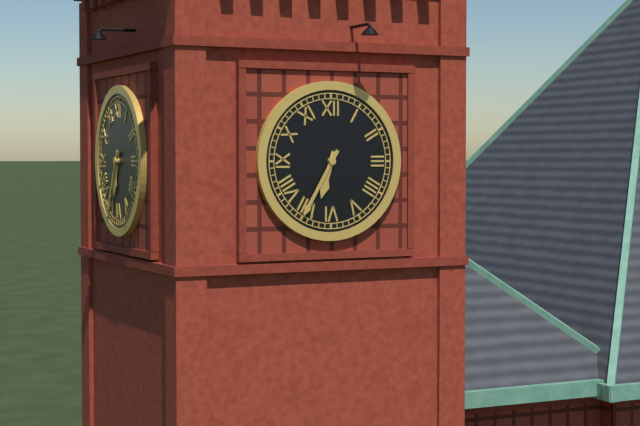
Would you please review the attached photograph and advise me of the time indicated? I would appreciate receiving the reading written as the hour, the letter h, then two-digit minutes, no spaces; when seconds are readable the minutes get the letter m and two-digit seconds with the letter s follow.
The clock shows 6h35
